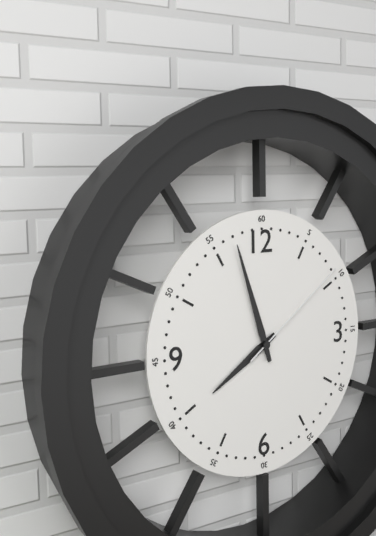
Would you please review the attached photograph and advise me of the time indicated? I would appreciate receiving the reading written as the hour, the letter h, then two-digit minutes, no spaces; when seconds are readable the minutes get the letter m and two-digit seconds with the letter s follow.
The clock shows 7h57m09s
